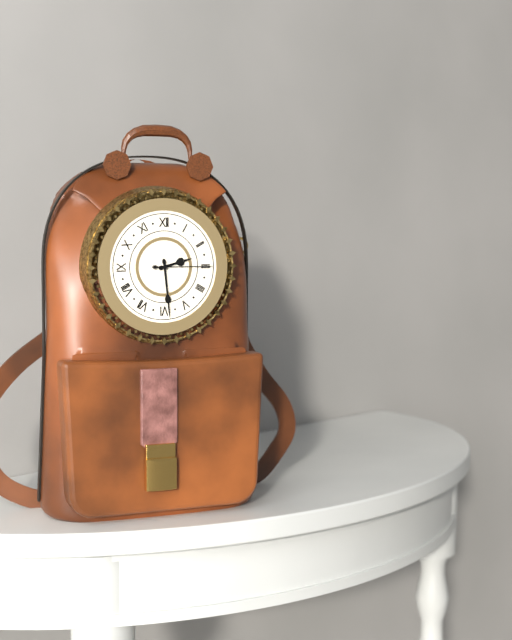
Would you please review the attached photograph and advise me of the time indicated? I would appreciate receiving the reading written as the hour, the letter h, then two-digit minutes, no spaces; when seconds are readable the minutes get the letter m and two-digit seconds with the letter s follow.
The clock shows 2h29m15s
